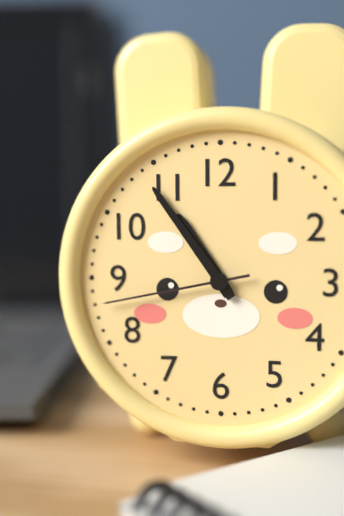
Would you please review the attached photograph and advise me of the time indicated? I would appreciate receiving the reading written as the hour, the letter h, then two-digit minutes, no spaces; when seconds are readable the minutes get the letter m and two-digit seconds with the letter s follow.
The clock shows 10h54m43s
